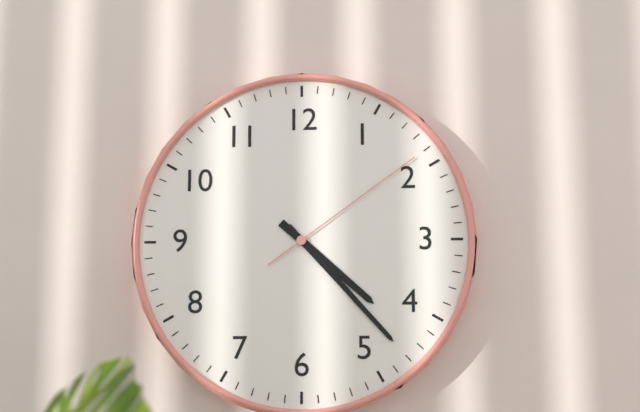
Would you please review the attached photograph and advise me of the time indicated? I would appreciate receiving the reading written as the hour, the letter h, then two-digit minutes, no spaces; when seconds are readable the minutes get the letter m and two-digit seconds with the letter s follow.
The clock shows 4h23m09s
